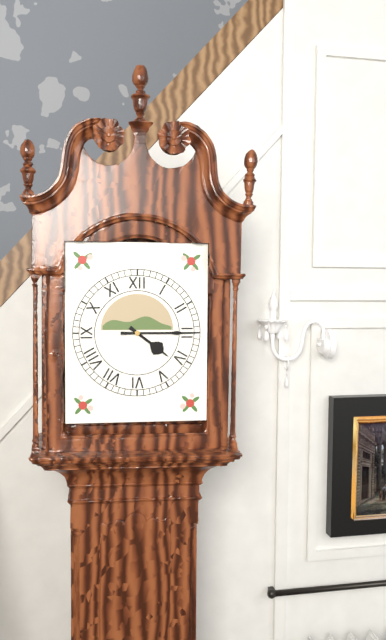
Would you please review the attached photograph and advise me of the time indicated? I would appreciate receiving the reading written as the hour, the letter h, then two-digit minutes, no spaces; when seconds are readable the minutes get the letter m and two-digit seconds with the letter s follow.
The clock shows 4h15
